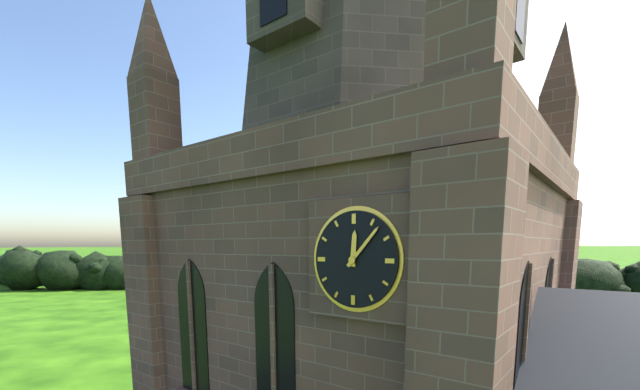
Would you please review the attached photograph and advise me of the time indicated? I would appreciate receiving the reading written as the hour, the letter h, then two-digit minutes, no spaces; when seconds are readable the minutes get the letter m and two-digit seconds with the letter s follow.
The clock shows 12h07
